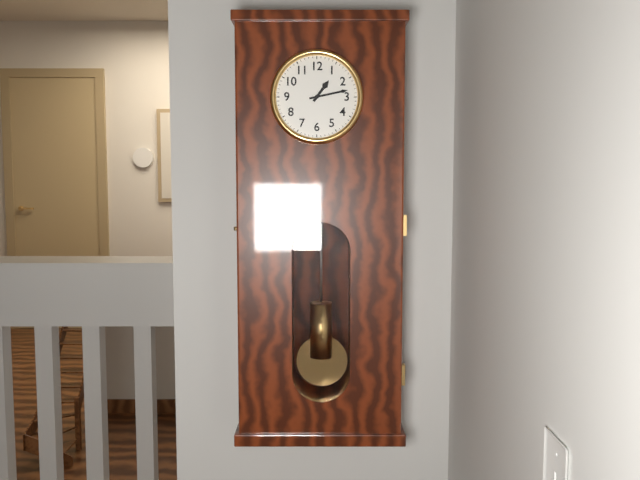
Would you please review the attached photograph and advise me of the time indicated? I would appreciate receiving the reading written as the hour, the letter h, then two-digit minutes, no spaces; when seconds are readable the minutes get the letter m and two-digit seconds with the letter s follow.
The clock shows 1h13
